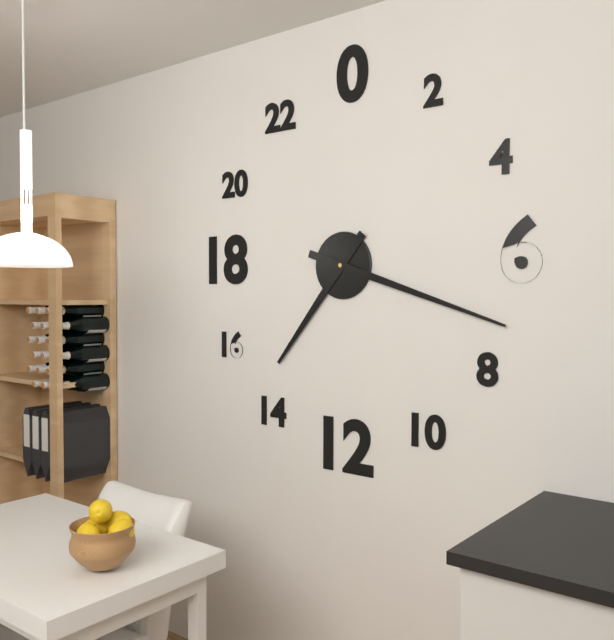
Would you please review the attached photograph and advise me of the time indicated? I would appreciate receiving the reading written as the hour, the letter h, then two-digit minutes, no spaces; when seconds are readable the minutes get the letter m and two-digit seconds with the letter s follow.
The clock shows 7h18
